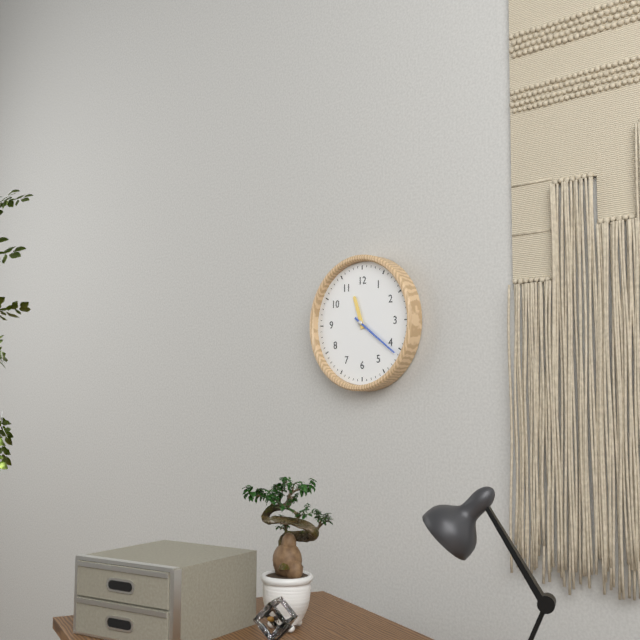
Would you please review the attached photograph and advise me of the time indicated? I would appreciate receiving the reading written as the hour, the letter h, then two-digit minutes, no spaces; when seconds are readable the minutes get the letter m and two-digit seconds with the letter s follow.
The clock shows 11h21
